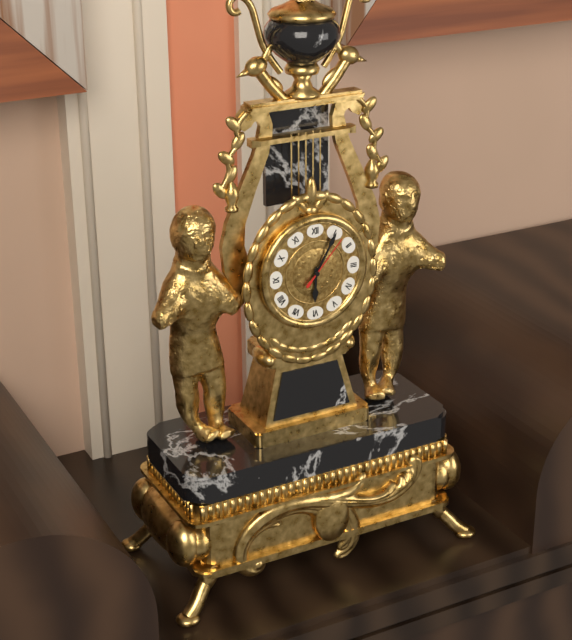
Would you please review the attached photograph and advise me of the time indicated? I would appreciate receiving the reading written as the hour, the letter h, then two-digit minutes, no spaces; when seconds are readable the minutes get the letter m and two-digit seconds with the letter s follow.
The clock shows 6h05m07s
